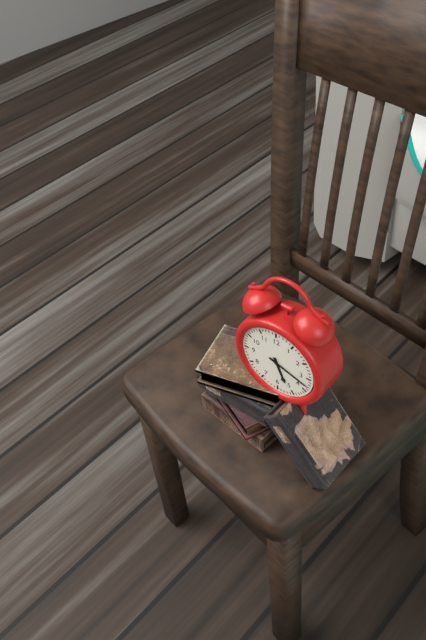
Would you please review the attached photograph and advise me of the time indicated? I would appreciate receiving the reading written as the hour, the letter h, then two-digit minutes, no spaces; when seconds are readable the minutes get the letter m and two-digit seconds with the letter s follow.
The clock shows 5h18
